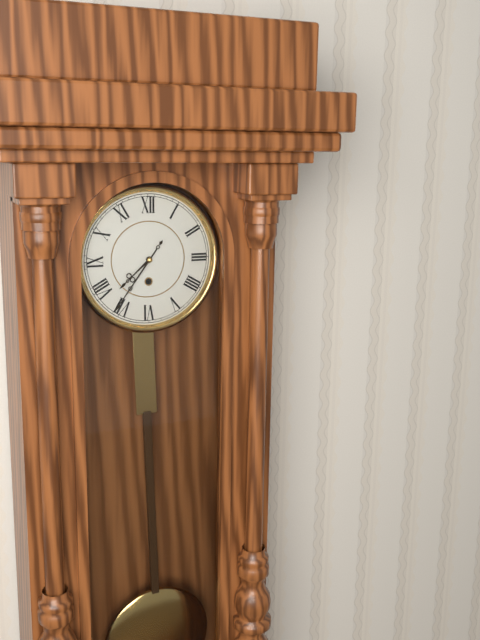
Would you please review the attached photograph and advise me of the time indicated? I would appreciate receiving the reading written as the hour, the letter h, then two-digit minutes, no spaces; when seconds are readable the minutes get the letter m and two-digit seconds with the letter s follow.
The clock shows 7h36
